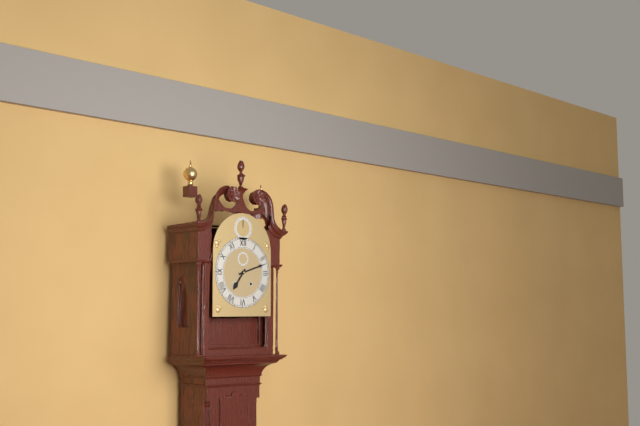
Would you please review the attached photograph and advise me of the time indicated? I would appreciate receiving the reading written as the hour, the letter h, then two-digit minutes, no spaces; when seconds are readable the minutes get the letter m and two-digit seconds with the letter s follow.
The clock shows 7h12
